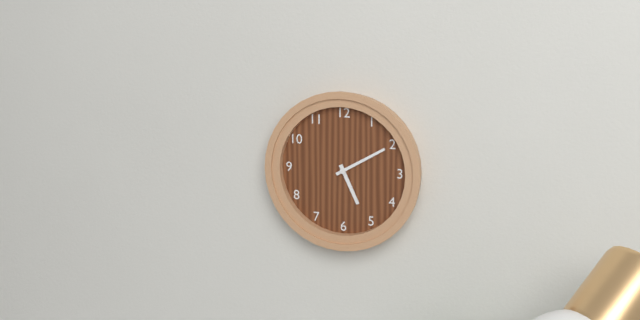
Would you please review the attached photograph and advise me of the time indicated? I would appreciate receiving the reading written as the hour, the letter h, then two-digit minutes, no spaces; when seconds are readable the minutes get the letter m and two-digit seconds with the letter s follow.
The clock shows 5h10
